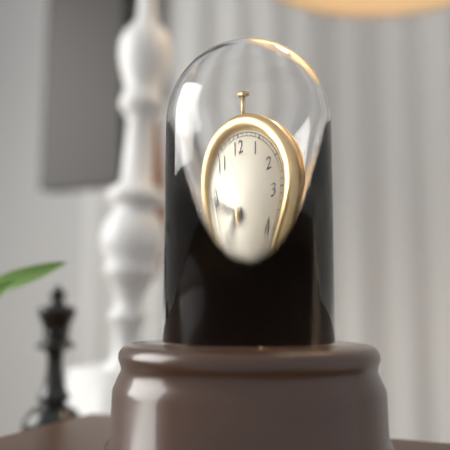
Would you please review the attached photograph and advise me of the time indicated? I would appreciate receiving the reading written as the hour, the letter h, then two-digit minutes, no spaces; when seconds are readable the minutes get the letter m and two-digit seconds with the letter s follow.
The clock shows 8h50
